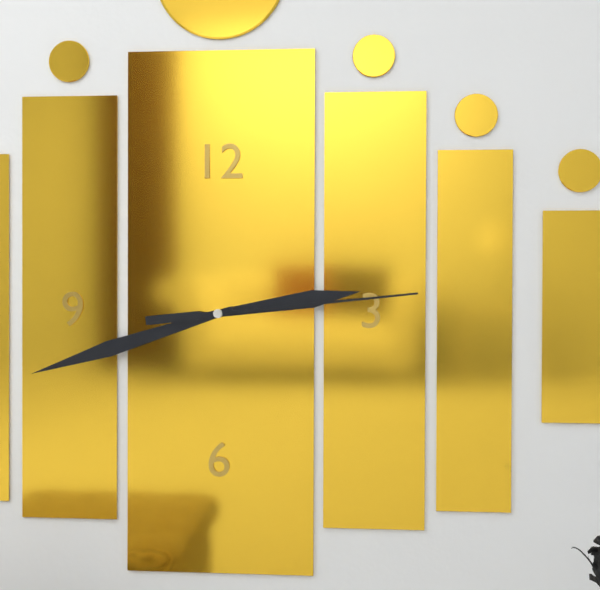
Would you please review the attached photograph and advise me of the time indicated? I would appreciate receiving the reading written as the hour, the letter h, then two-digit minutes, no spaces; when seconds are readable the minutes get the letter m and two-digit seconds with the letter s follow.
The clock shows 2h42m14s
